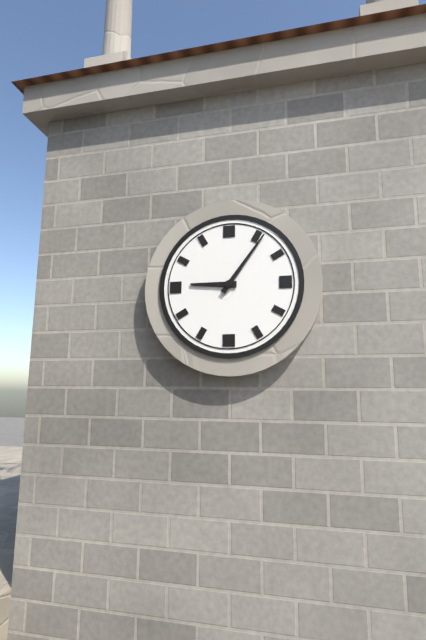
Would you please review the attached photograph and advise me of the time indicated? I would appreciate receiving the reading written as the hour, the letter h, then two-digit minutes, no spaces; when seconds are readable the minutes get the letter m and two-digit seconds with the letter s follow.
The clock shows 9h06
